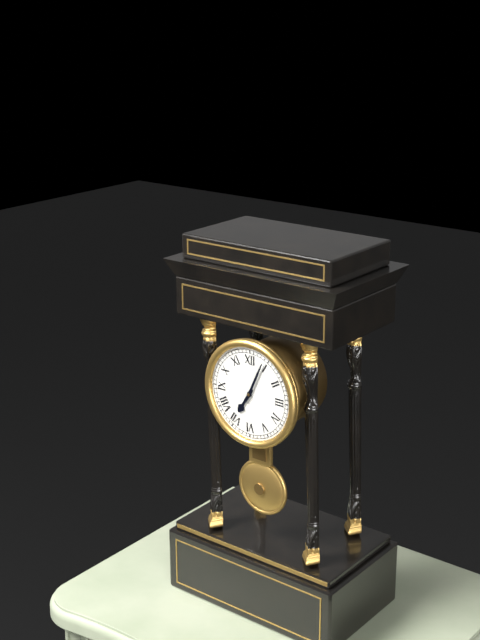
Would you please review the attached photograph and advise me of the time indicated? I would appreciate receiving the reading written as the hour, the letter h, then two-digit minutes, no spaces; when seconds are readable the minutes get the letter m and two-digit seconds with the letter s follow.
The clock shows 7h04
